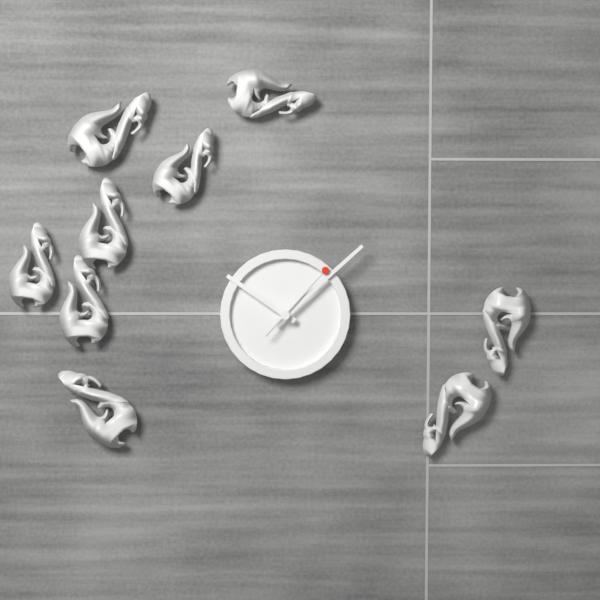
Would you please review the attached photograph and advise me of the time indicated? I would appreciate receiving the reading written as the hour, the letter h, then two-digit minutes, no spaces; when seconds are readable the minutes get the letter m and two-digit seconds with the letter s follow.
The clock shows 10h08m07s
